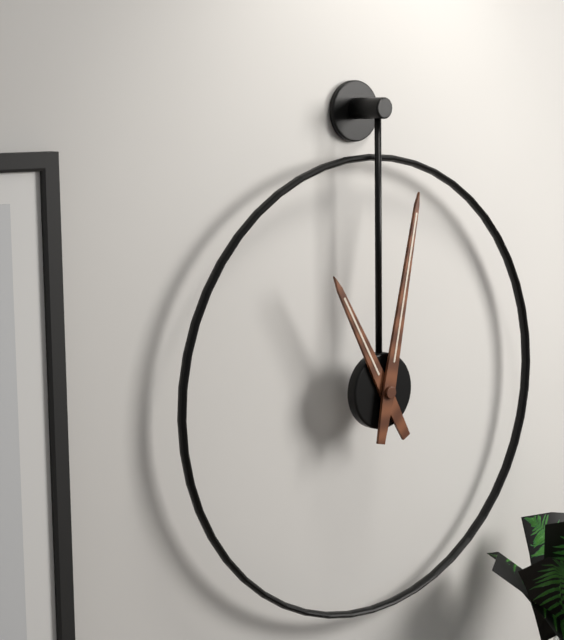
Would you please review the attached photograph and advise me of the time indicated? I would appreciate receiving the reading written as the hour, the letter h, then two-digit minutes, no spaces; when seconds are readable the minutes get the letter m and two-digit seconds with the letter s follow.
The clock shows 11h02
